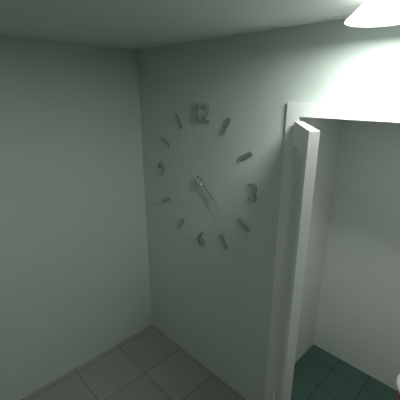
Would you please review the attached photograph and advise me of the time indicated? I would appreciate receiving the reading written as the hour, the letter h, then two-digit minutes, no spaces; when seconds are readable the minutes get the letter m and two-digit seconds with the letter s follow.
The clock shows 4h22
